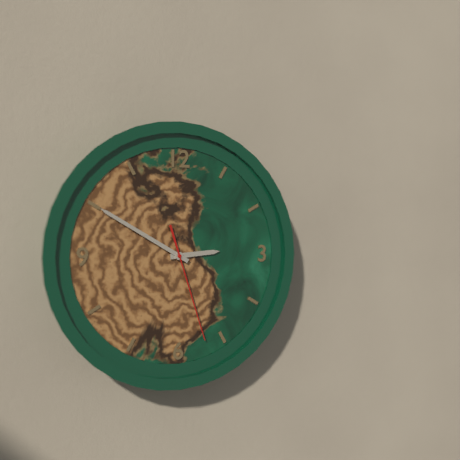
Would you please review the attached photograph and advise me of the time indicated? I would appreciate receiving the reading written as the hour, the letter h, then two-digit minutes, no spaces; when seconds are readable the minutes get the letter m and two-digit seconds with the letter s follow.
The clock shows 2h50m27s
